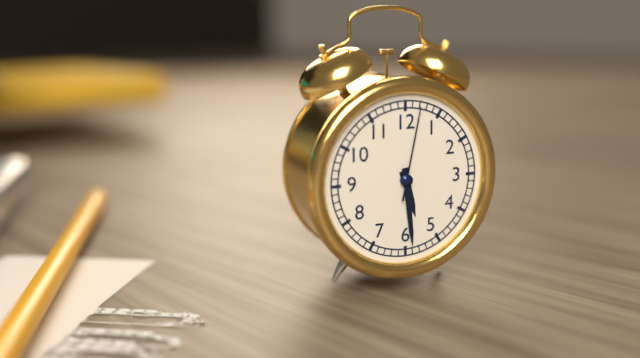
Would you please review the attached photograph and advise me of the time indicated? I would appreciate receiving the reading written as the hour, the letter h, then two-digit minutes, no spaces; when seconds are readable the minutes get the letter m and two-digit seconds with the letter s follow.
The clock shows 5h29m02s
